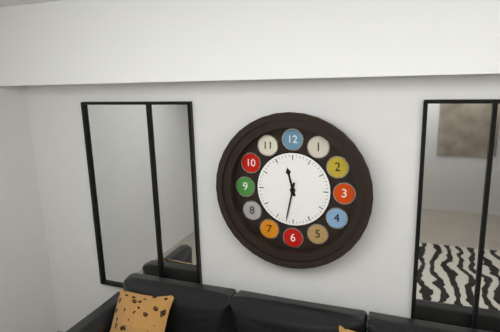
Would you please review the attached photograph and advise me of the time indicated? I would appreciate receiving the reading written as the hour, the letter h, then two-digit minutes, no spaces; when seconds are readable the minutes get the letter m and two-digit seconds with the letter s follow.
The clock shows 11h32
